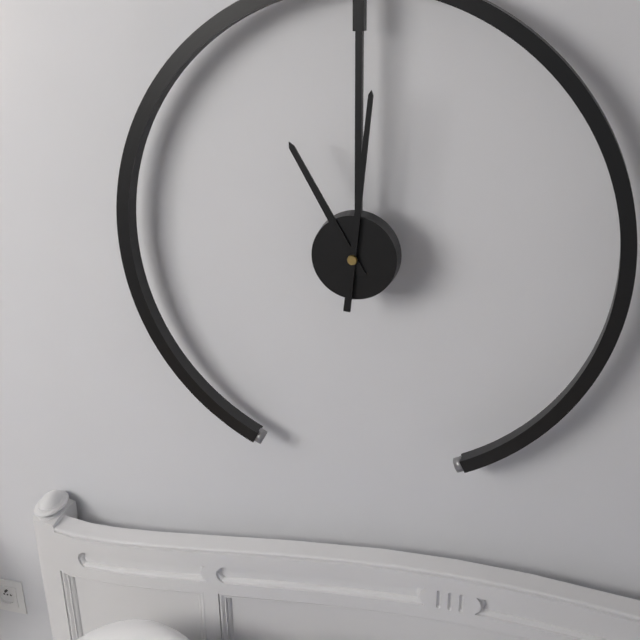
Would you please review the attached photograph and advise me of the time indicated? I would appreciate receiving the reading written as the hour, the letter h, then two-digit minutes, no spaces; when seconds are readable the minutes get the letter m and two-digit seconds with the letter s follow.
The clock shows 11h01
